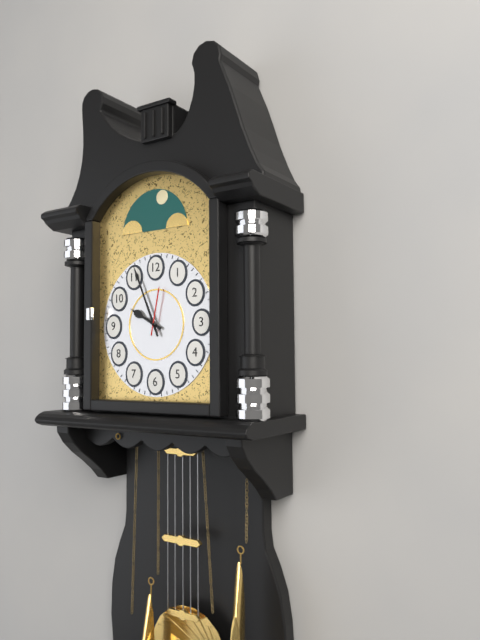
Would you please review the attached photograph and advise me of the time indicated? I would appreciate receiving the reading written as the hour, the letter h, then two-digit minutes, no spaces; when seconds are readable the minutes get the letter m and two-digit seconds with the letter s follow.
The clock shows 9h56
